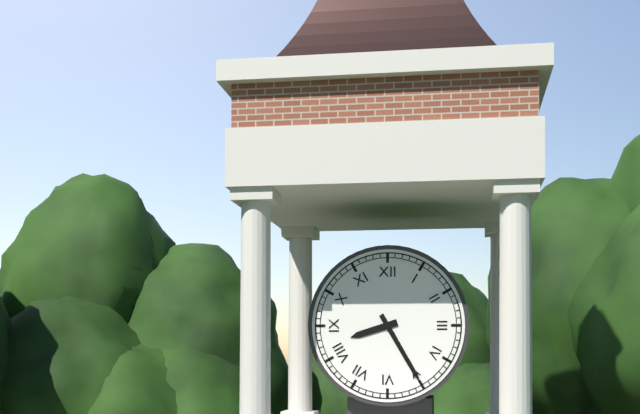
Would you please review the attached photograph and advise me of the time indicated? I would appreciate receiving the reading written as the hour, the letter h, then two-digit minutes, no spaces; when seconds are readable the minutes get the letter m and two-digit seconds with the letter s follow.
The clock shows 8h25
